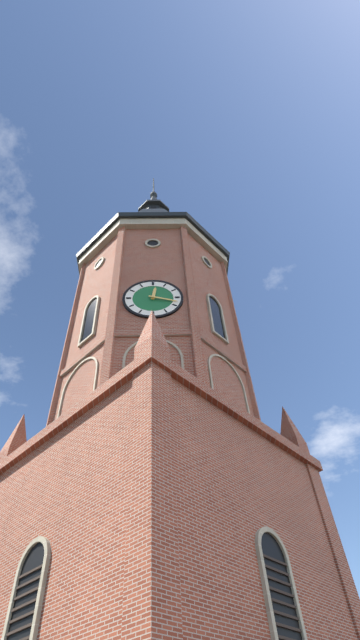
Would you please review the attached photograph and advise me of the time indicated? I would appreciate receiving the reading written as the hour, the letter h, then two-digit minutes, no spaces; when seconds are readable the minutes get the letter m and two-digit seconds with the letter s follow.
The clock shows 12h18
